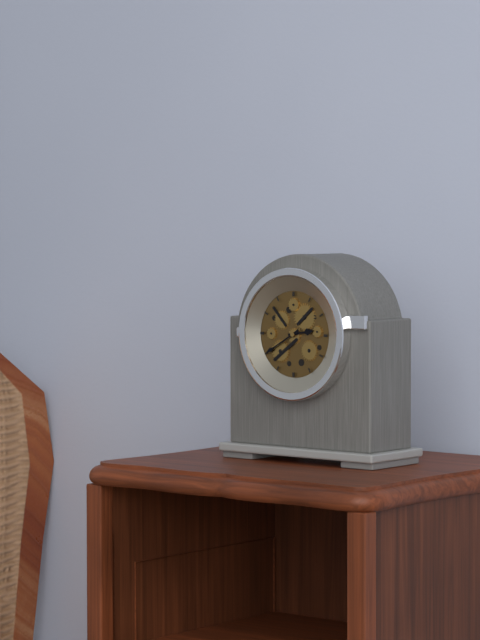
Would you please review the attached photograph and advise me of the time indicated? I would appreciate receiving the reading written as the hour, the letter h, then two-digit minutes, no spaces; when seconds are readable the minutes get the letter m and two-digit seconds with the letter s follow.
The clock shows 2h40
